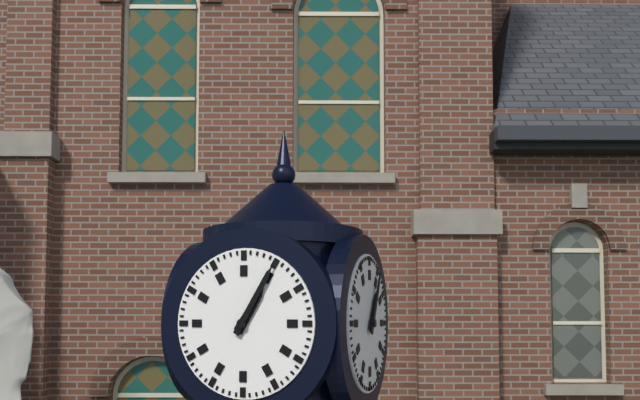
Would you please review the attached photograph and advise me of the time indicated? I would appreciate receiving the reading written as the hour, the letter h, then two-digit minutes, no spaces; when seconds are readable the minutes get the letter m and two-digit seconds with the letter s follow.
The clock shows 1h05
